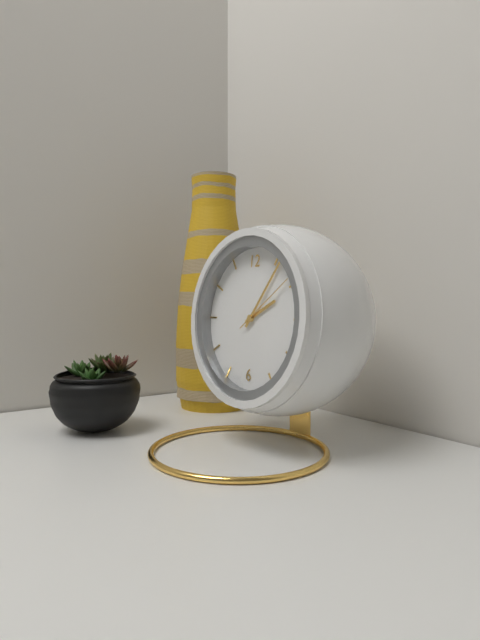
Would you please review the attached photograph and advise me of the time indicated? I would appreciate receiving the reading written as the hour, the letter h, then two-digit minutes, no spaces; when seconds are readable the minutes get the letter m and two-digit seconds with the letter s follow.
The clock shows 2h06m09s
